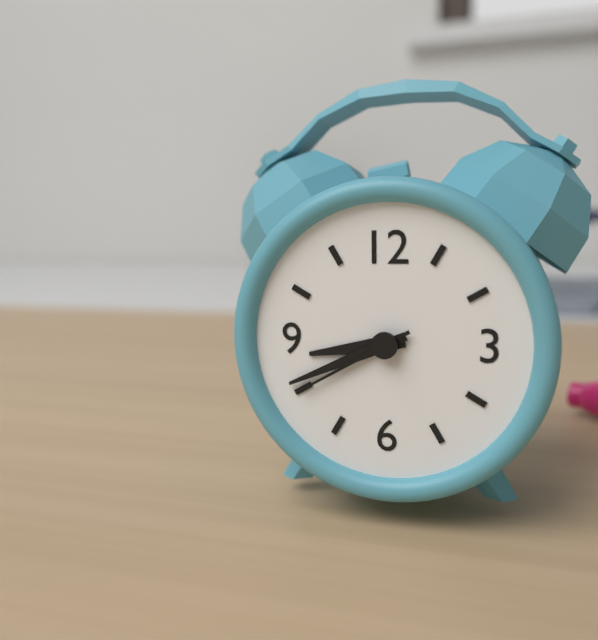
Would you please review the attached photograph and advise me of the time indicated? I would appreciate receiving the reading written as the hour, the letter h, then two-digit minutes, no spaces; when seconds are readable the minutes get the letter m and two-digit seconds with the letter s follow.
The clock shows 8h41m40s
